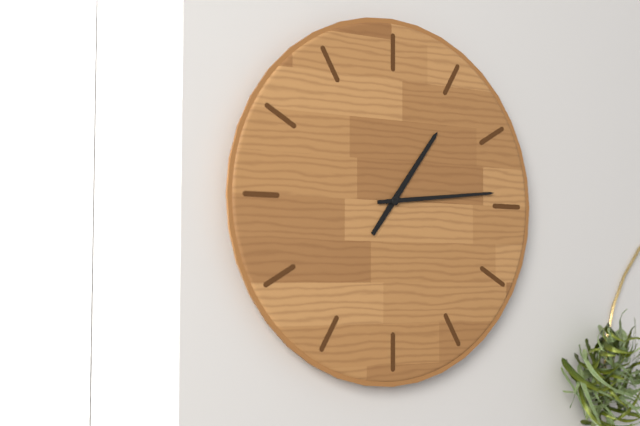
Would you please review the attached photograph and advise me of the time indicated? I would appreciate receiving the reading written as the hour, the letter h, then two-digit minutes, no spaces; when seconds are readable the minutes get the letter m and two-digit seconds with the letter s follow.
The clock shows 1h14
